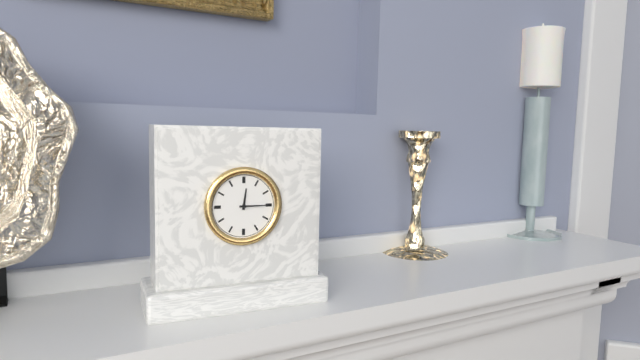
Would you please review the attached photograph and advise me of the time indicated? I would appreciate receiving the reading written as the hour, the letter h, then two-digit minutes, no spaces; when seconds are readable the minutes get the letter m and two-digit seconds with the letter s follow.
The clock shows 12h15
